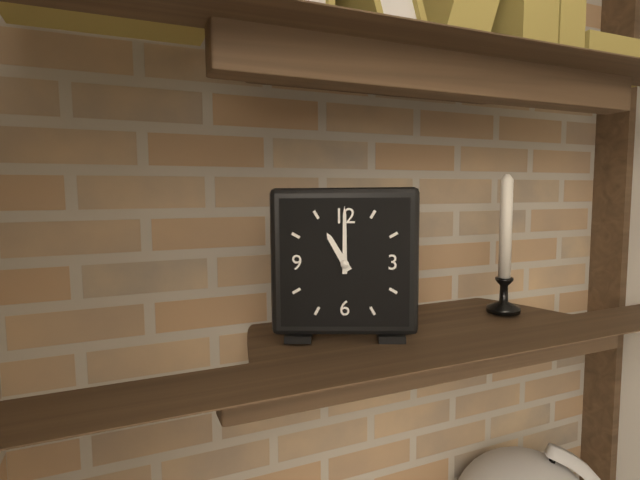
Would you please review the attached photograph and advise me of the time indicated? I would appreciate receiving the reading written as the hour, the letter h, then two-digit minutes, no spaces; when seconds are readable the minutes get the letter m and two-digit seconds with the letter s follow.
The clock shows 11h00
